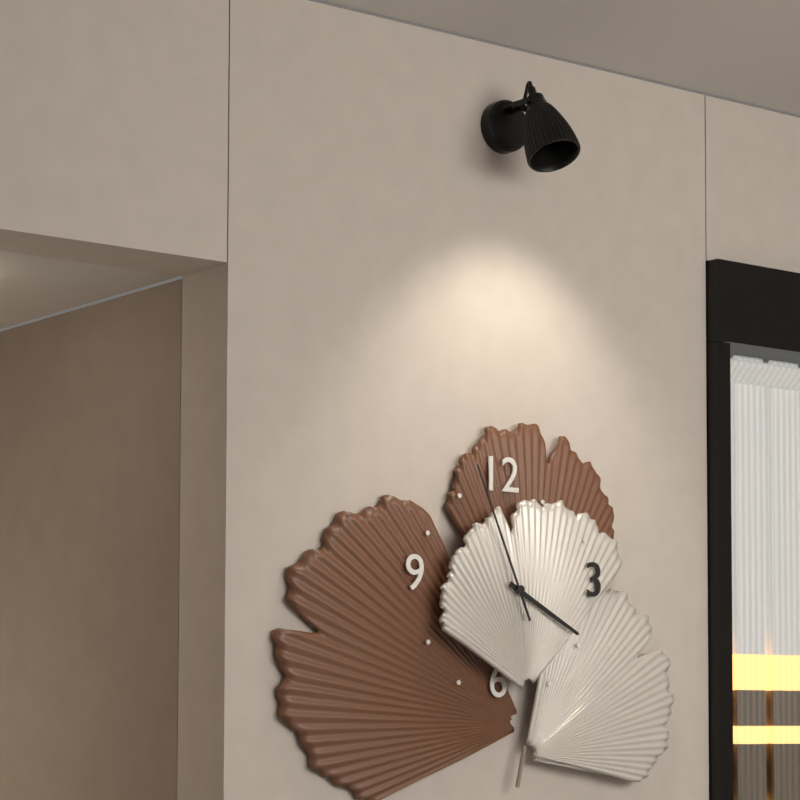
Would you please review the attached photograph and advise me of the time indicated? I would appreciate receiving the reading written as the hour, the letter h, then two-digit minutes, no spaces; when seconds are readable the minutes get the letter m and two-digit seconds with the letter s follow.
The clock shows 3h56
